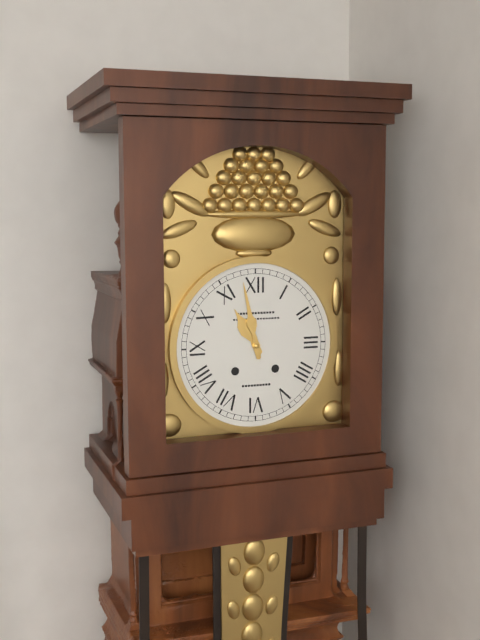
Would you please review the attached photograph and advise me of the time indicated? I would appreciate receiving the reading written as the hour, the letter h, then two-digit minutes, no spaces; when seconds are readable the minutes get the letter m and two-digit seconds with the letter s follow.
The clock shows 10h58
